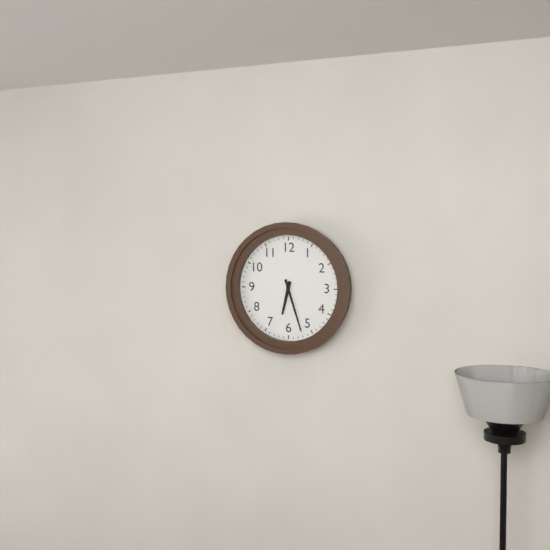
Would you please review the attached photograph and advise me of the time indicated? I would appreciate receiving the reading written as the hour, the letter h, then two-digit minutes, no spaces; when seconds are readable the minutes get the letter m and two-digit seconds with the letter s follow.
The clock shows 6h27
